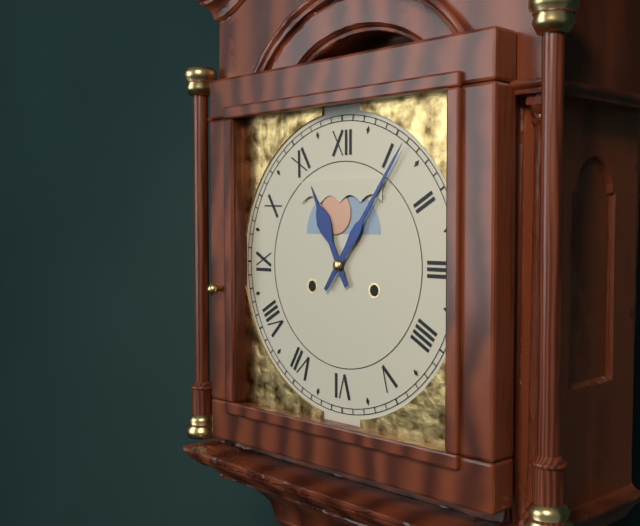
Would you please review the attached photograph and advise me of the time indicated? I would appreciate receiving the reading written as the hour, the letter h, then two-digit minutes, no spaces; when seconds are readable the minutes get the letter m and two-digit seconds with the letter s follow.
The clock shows 11h06
